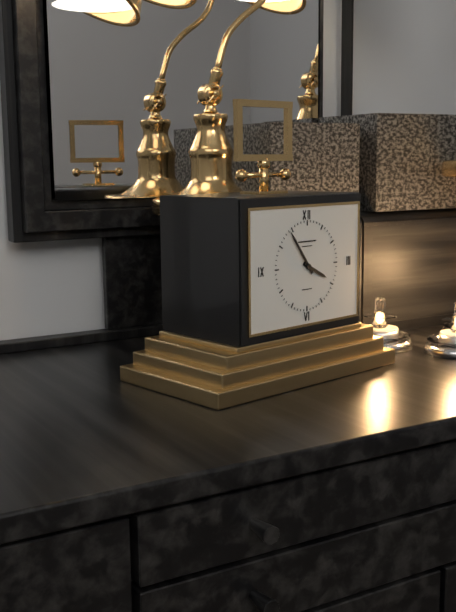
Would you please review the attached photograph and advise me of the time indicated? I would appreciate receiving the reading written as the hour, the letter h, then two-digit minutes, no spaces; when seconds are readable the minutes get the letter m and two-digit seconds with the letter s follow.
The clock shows 3h54
